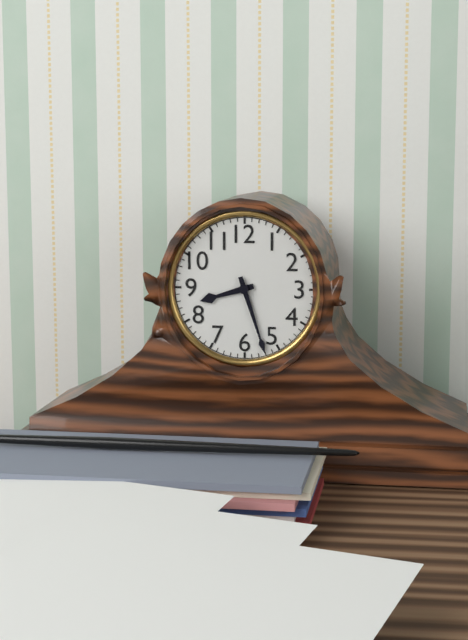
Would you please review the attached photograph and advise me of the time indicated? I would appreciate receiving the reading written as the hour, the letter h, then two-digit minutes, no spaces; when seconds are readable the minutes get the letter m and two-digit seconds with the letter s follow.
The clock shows 8h27
